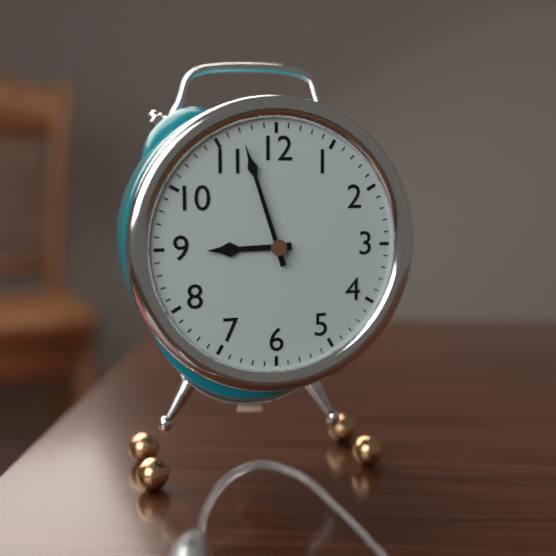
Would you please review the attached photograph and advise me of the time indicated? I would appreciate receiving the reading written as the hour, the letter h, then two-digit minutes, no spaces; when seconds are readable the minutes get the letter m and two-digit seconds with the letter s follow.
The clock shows 8h57
